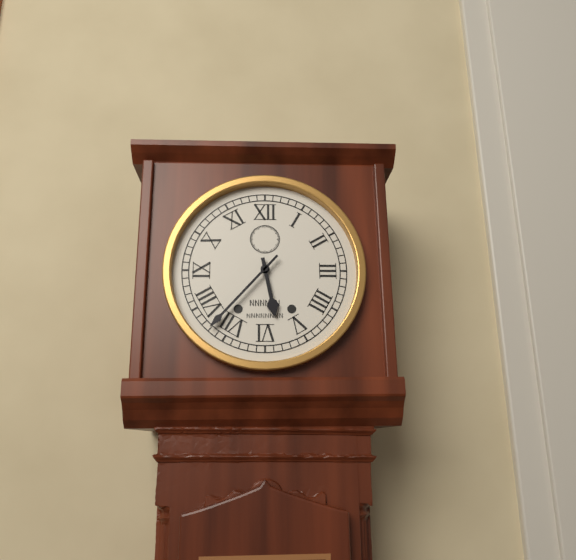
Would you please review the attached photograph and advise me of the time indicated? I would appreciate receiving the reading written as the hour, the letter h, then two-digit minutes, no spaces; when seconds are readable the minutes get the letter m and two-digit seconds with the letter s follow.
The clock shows 5h37
